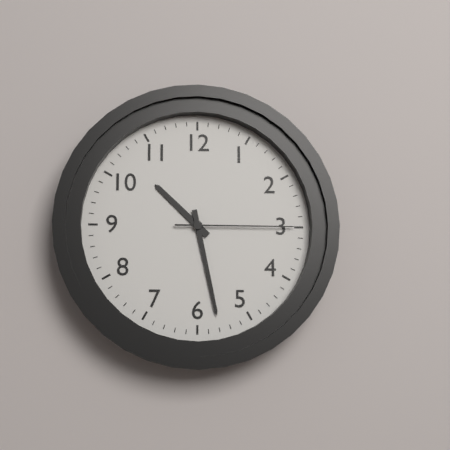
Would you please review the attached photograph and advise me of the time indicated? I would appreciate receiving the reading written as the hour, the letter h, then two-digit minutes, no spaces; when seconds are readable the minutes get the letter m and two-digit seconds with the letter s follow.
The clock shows 10h28m15s
